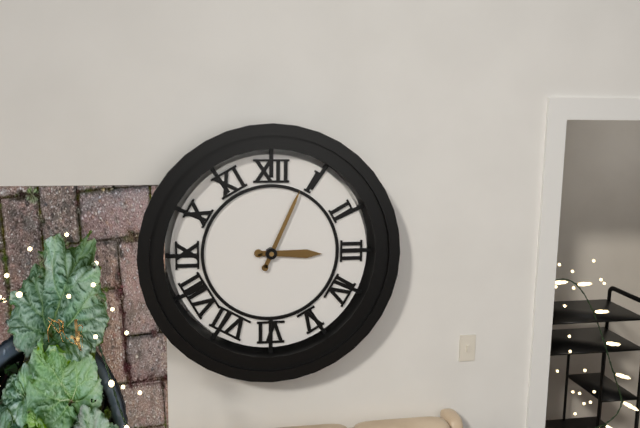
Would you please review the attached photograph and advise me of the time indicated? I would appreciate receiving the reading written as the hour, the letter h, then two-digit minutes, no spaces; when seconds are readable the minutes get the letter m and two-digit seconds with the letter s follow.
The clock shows 3h04
